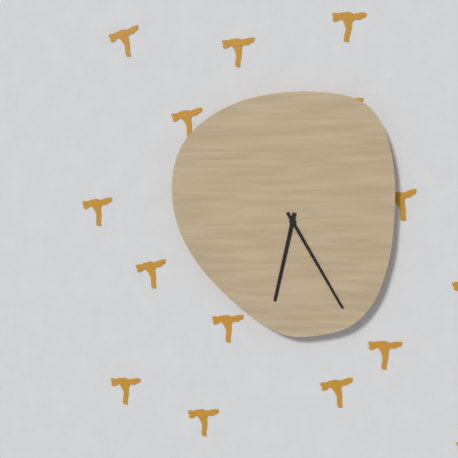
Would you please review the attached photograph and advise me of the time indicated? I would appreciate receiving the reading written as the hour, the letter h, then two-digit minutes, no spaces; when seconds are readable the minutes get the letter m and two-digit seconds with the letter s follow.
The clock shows 6h25
